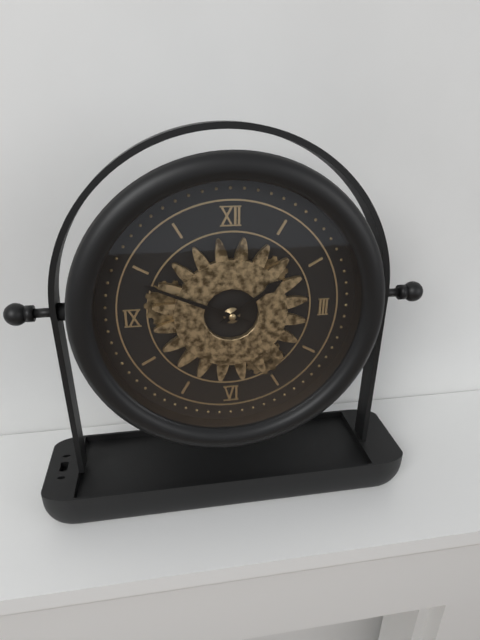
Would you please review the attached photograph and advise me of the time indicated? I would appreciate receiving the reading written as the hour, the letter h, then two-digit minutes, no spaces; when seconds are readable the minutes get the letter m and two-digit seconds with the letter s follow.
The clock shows 1h49
